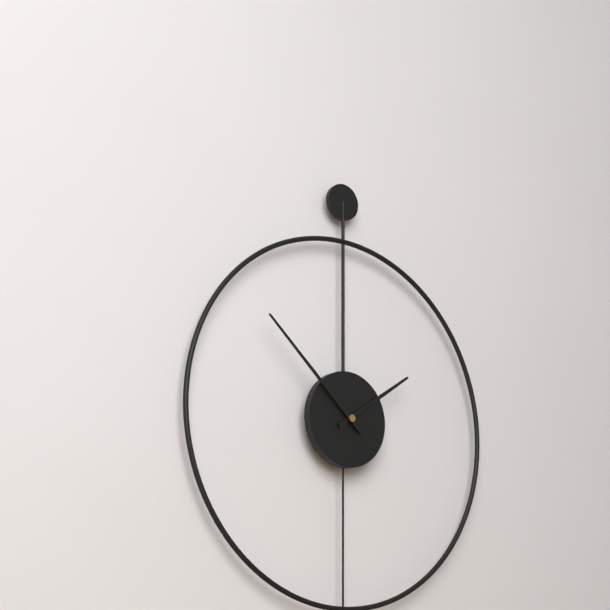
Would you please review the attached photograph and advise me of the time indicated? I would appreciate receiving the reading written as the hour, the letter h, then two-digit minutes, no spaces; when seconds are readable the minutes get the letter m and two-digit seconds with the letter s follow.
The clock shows 1h52
